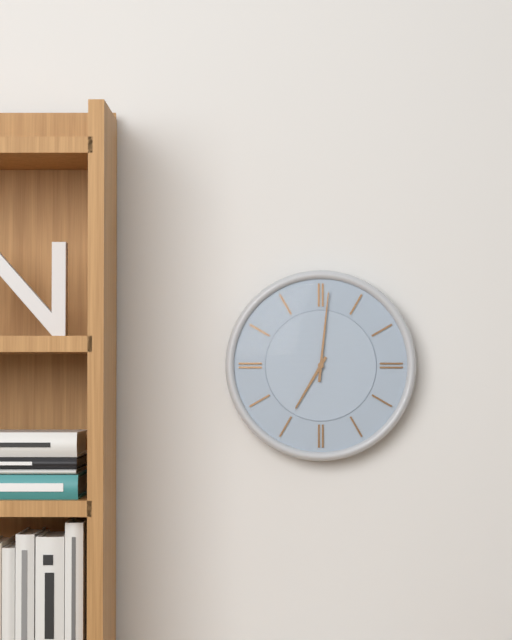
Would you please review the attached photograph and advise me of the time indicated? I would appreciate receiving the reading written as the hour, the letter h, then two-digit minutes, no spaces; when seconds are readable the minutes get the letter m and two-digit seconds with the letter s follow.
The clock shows 7h01
